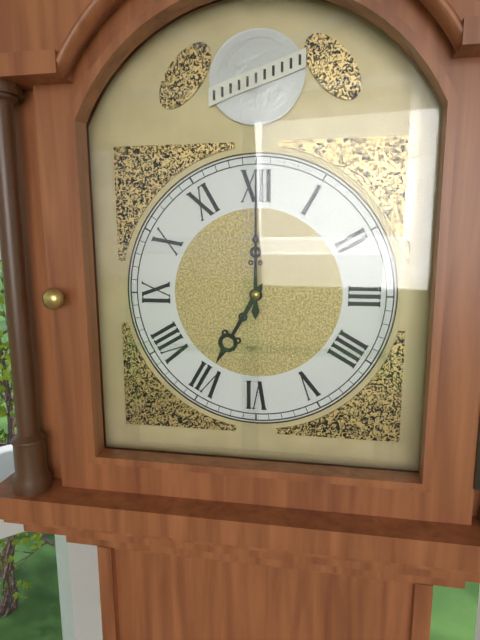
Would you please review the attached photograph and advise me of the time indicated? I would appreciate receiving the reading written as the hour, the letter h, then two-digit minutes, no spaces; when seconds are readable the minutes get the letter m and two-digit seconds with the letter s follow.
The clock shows 7h00
